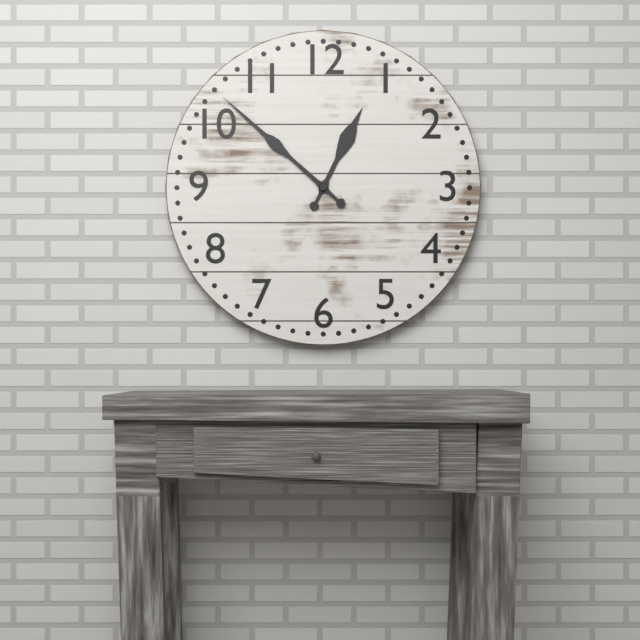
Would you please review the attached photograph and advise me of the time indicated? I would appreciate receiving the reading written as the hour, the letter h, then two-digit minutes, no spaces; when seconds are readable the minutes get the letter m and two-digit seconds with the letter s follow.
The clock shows 12h52
